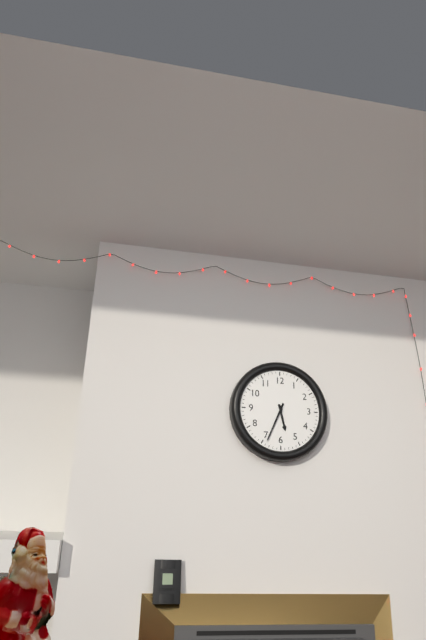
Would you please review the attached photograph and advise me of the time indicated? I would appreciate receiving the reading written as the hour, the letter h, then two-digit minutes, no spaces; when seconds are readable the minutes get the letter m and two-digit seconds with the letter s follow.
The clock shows 5h34
